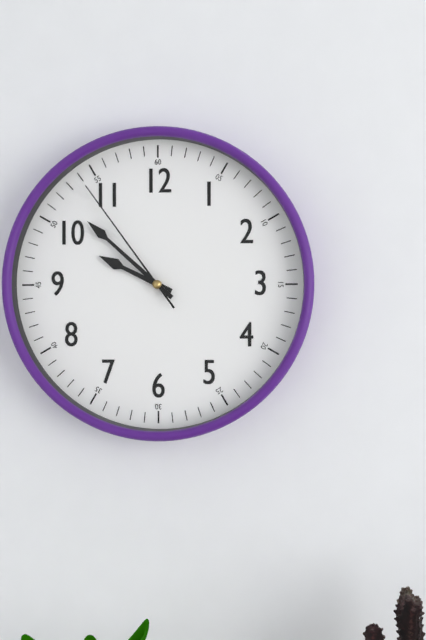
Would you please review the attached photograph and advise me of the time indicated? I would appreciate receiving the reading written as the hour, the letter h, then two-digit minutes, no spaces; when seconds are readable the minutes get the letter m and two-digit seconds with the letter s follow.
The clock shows 9h52m54s
